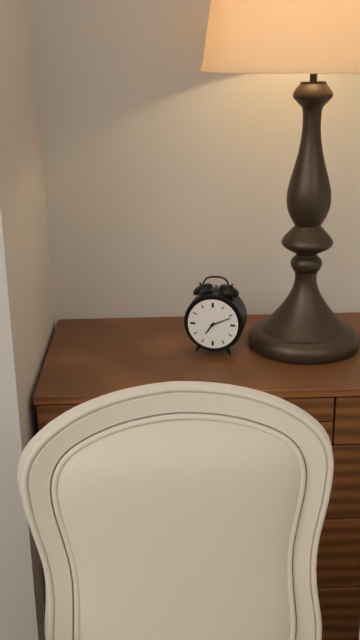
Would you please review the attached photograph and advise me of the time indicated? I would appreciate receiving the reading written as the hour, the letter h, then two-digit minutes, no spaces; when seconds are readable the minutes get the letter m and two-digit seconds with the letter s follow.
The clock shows 7h11
